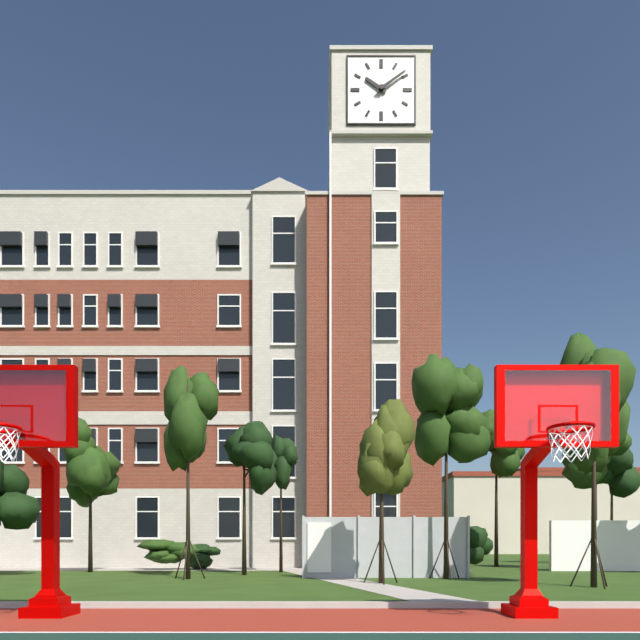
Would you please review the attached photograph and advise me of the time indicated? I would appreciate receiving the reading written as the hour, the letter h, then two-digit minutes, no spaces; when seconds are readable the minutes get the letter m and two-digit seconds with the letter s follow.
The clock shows 10h09
